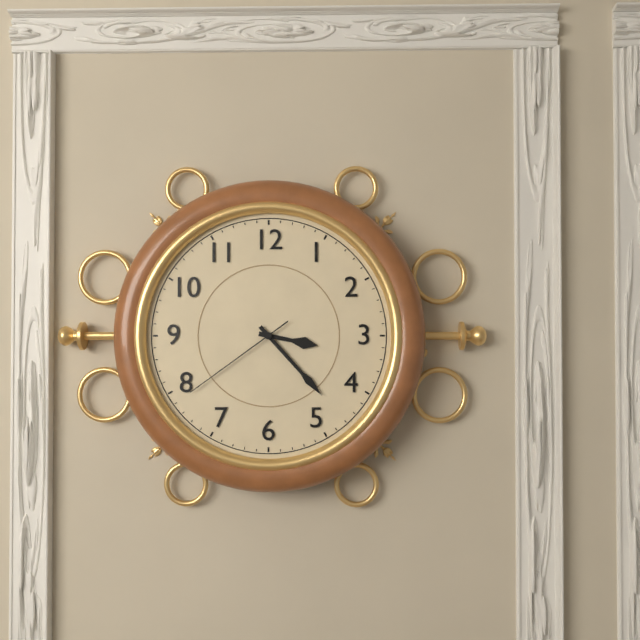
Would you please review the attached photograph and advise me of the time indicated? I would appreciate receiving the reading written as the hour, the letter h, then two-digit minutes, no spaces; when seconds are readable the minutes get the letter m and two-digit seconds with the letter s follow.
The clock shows 3h23m39s
